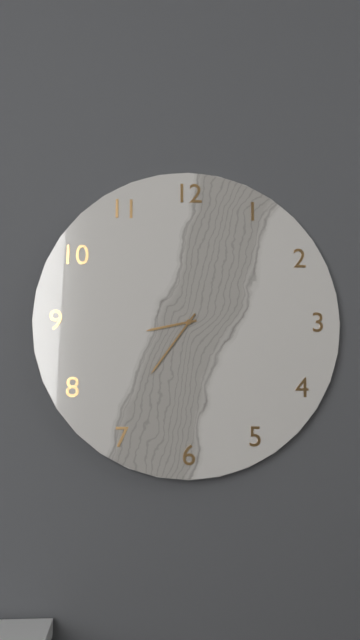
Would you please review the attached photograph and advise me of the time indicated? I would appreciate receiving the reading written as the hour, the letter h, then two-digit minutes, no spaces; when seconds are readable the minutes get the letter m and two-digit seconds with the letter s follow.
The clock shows 8h36
